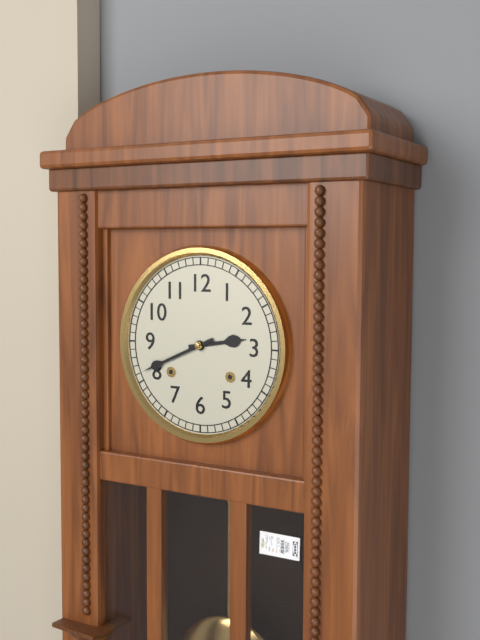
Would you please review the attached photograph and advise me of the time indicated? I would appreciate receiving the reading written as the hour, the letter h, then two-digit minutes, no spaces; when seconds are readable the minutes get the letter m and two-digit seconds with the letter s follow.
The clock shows 2h41
